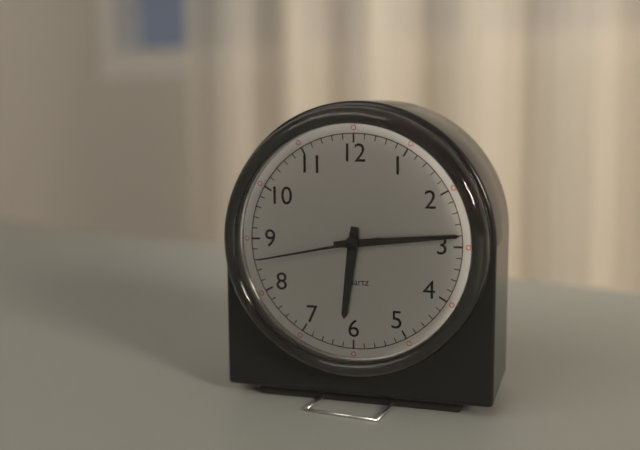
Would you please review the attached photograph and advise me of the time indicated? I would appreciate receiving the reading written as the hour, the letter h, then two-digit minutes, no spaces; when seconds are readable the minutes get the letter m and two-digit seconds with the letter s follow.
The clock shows 6h14m43s
